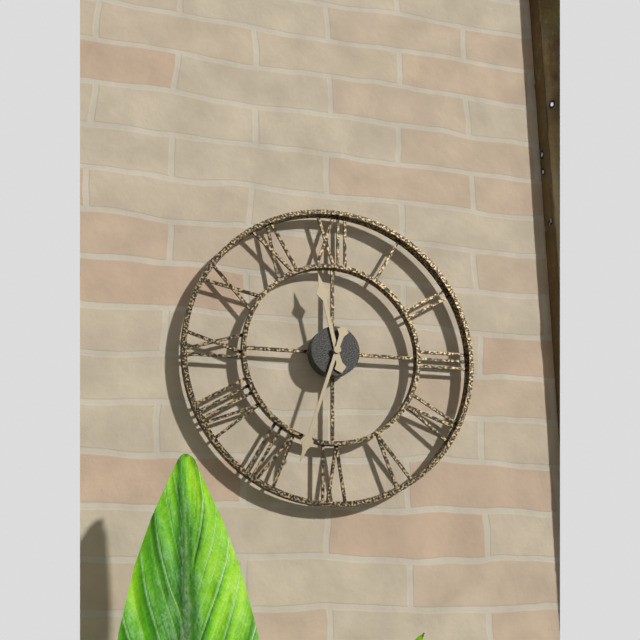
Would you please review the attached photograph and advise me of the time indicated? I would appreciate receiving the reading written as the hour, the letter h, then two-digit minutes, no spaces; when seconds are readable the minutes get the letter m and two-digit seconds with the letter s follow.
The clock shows 11h33
